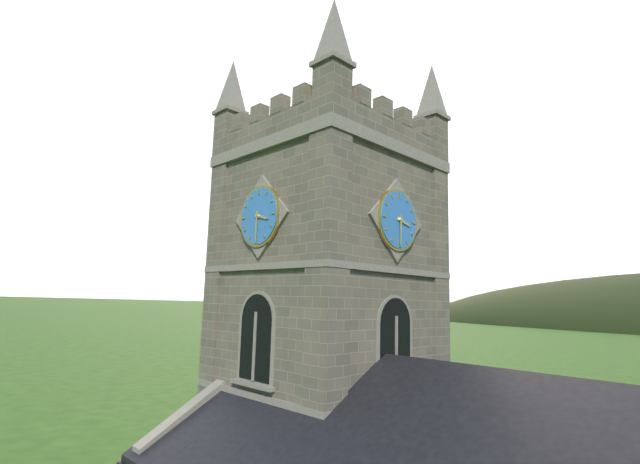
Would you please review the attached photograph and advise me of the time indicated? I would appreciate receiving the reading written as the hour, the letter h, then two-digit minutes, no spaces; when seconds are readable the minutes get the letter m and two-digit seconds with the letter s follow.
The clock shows 3h30
